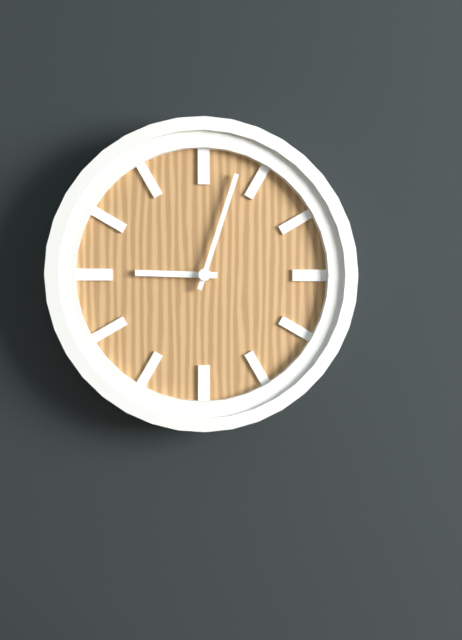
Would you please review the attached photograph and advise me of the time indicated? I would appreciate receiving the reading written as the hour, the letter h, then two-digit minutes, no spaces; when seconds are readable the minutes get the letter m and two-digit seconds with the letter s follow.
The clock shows 9h03
